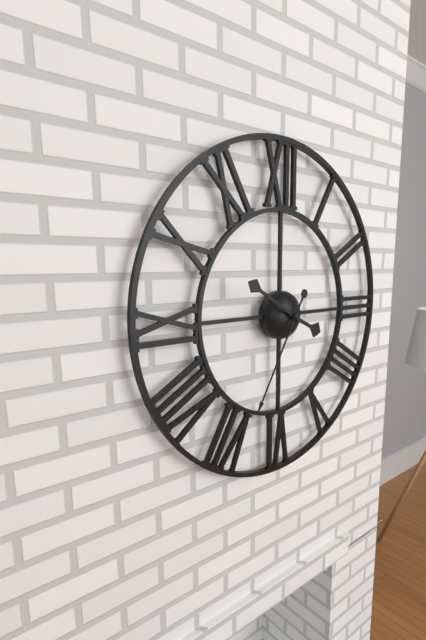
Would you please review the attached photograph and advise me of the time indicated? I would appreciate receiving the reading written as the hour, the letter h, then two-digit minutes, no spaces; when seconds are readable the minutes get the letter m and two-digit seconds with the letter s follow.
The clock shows 3h50m35s
